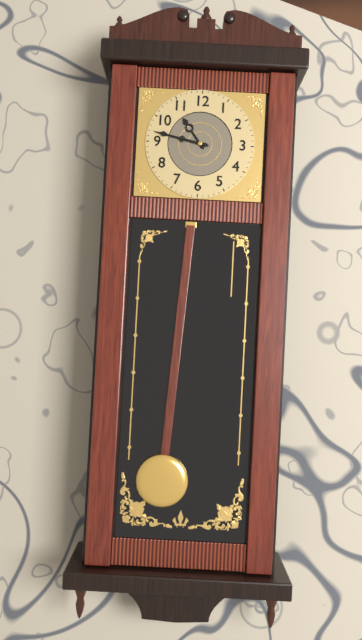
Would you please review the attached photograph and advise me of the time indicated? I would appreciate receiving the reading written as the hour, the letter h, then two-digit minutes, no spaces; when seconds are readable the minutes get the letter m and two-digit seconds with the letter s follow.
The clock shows 10h47
